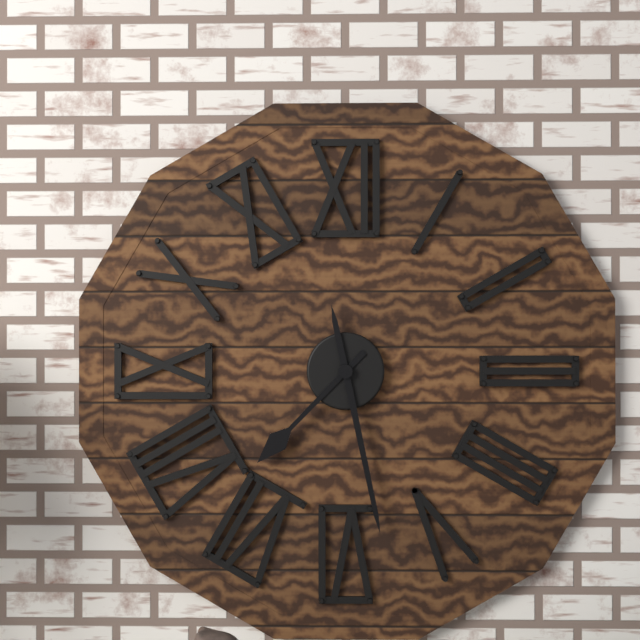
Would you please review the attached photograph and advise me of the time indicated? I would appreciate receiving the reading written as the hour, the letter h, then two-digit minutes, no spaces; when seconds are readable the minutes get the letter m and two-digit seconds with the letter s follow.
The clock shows 7h28
